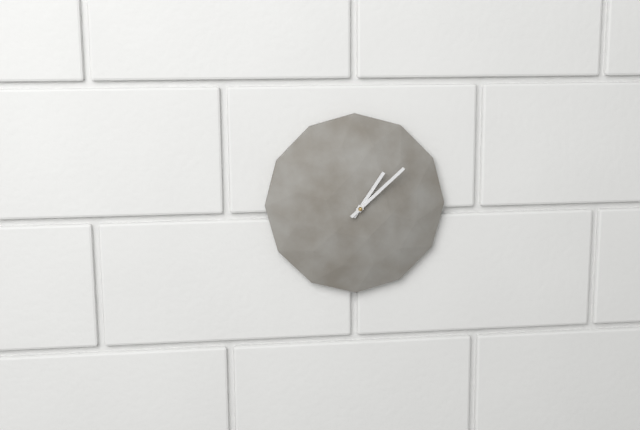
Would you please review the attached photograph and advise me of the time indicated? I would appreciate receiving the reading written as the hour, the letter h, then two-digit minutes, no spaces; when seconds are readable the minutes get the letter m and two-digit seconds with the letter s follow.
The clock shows 1h08
